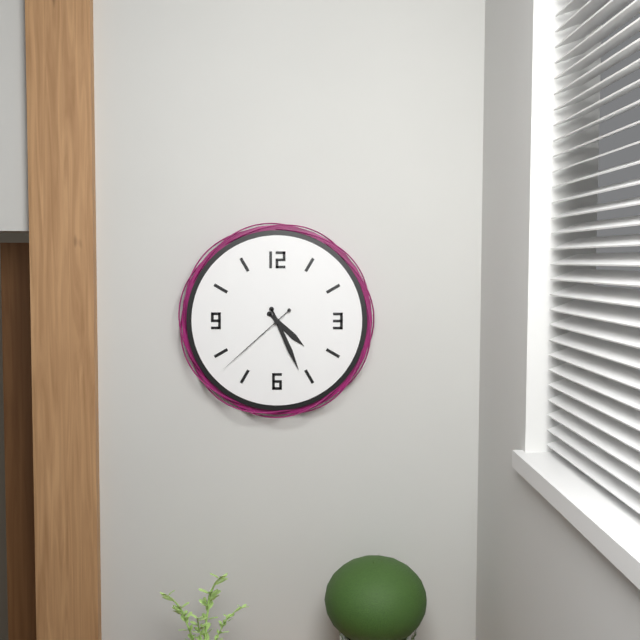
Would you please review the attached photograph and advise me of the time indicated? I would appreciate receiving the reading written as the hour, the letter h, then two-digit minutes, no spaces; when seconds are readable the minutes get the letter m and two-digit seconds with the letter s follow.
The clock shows 4h26m38s
